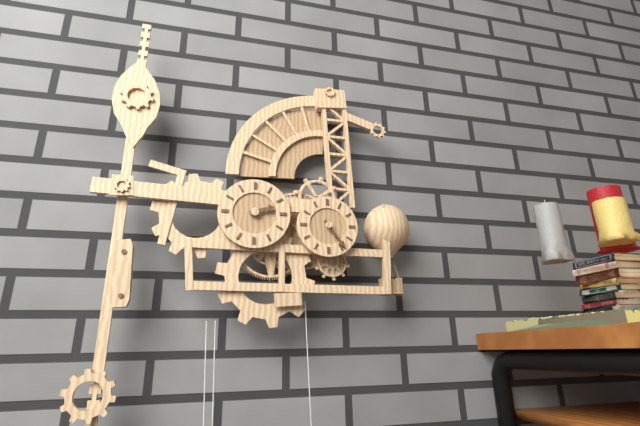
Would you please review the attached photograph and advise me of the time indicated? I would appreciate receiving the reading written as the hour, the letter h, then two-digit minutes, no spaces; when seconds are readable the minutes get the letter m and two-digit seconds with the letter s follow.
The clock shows 2h24
